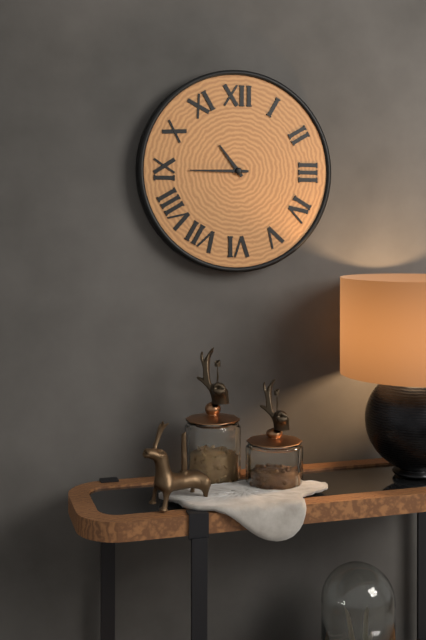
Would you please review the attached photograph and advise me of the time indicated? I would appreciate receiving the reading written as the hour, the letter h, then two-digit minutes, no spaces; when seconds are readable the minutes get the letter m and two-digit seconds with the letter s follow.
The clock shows 10h45
